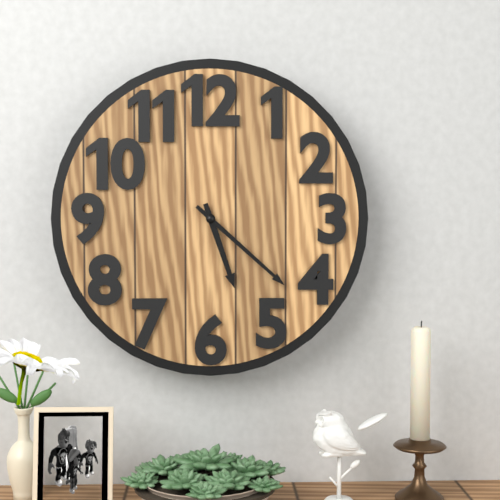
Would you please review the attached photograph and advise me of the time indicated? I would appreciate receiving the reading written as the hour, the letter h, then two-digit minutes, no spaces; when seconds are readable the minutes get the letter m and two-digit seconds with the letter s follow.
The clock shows 5h22
